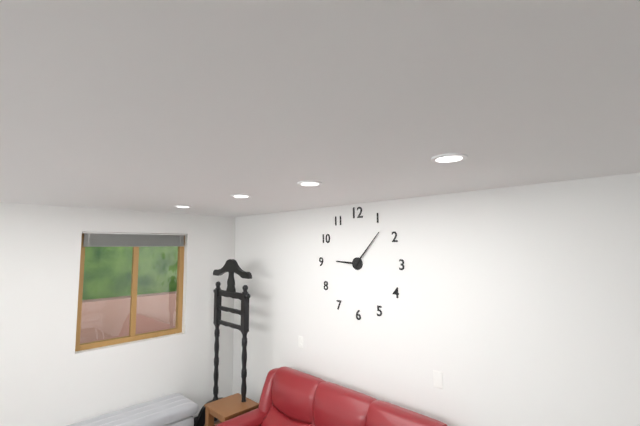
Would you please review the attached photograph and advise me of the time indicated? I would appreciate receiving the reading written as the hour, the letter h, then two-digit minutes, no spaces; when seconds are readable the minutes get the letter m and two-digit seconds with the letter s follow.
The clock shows 9h07
